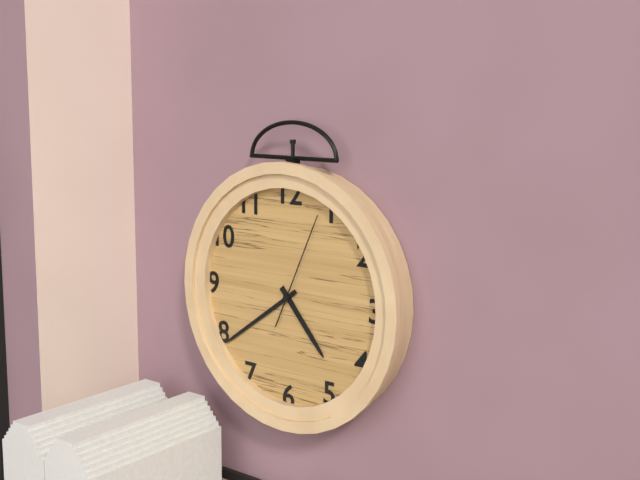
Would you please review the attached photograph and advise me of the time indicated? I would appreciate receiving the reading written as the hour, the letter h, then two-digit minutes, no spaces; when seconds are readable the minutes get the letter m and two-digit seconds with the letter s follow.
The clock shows 4h39m04s
